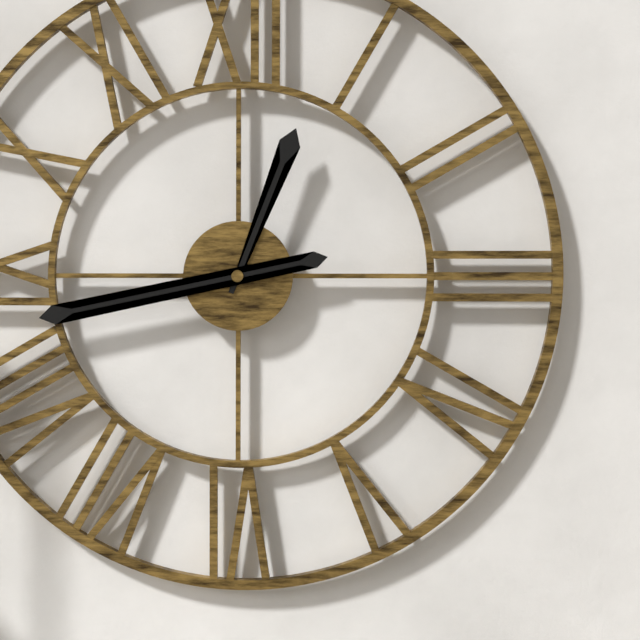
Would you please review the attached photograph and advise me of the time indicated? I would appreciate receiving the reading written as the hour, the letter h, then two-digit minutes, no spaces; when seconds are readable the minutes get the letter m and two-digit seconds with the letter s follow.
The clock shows 12h43
